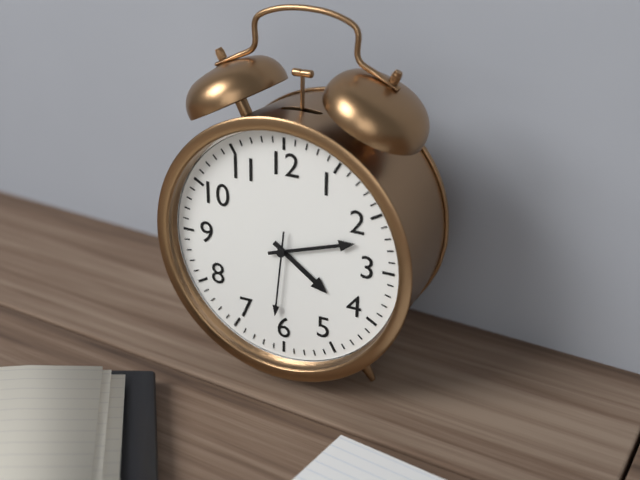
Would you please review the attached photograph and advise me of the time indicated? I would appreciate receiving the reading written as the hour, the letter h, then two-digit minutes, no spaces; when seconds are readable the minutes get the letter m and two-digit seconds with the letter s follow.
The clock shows 4h12m31s
